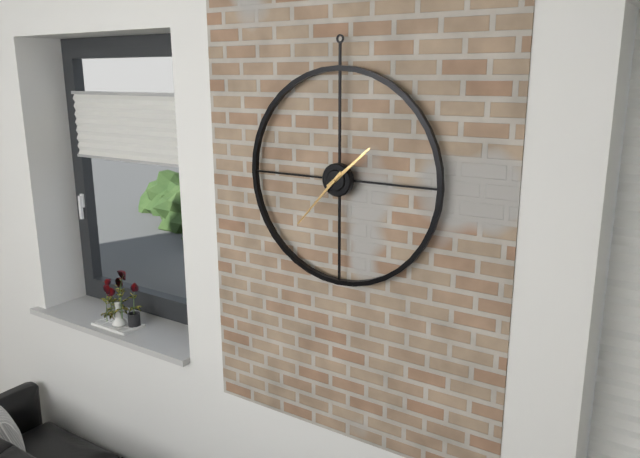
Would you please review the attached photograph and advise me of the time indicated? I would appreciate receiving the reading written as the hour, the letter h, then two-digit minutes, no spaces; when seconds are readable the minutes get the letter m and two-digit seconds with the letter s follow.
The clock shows 1h37
